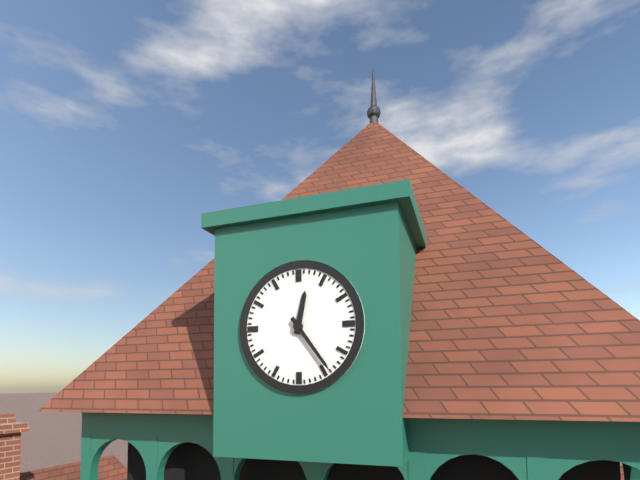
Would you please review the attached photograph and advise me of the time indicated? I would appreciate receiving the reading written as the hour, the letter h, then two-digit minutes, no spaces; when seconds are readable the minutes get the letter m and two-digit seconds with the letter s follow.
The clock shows 12h24
